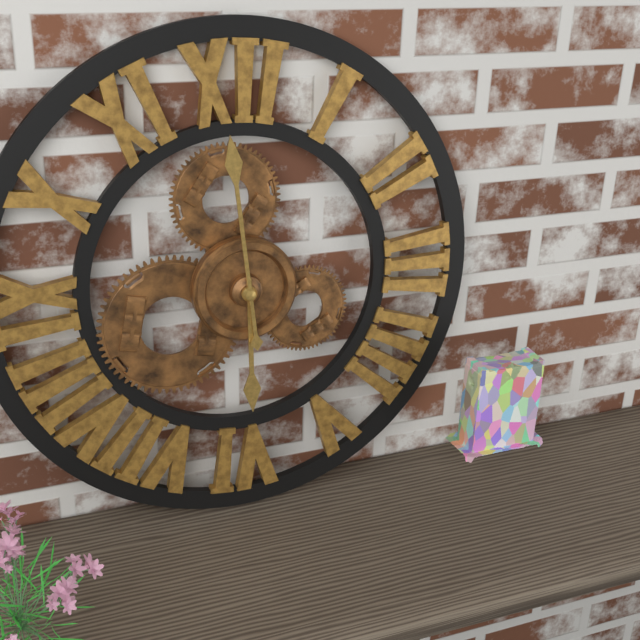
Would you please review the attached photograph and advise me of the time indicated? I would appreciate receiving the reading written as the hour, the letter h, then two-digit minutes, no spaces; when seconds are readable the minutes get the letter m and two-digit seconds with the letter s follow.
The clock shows 5h59
